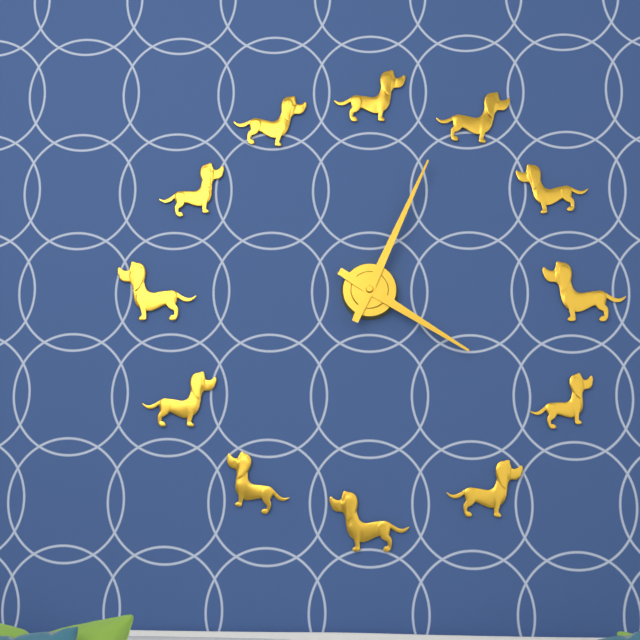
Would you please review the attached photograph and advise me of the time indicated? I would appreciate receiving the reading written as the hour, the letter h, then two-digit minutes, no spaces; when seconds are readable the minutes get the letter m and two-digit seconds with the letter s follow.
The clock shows 4h04
